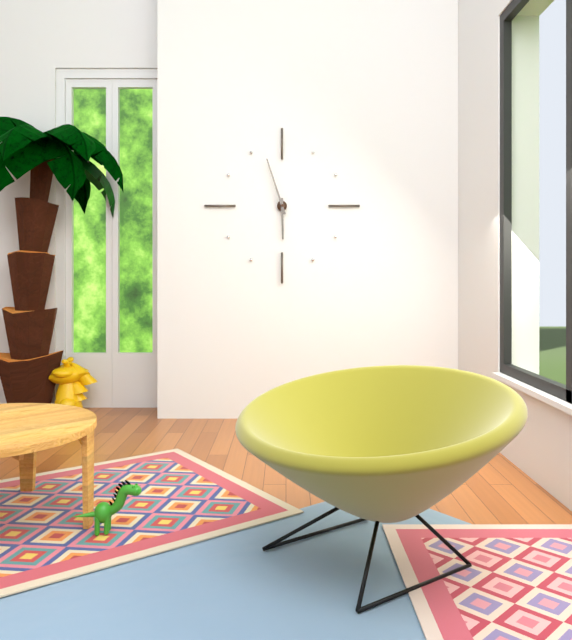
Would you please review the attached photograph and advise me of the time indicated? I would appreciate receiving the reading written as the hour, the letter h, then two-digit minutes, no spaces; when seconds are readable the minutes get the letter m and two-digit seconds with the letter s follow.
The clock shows 5h57
